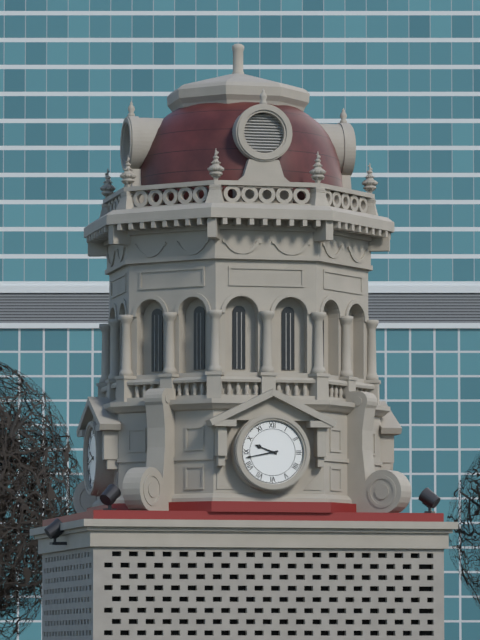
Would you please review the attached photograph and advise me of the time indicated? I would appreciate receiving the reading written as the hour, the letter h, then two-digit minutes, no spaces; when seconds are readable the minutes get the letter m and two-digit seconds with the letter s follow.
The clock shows 9h43
